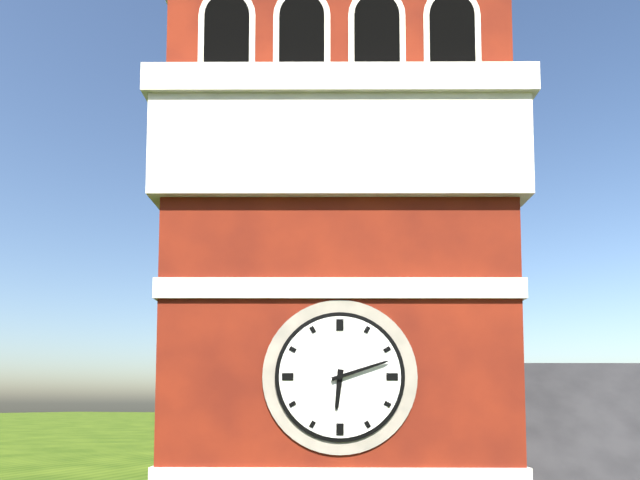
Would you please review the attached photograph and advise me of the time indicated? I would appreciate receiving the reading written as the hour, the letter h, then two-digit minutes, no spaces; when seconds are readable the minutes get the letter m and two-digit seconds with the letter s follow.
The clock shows 6h12
